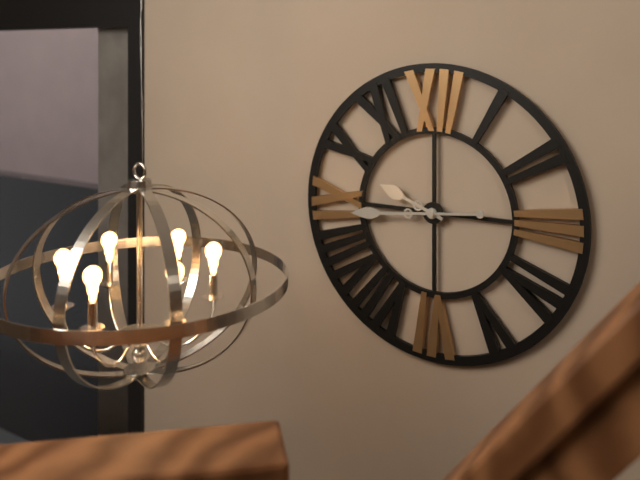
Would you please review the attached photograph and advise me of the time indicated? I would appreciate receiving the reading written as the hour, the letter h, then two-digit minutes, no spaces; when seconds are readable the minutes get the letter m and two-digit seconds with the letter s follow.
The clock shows 9h44
